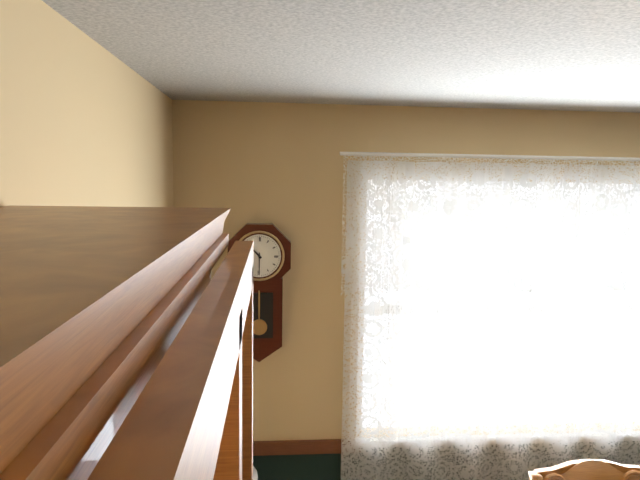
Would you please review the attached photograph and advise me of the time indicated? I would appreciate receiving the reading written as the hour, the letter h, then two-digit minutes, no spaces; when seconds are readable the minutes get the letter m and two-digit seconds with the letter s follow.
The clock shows 10h30
